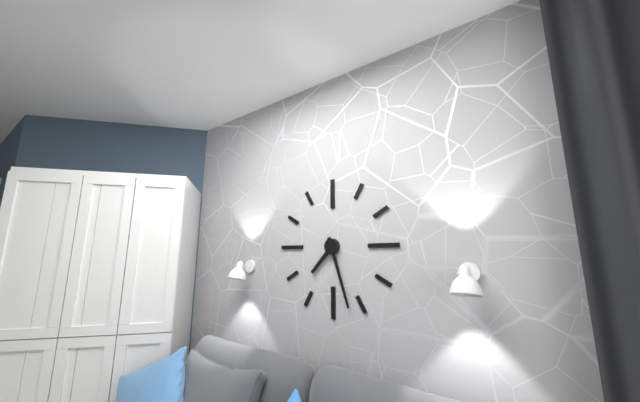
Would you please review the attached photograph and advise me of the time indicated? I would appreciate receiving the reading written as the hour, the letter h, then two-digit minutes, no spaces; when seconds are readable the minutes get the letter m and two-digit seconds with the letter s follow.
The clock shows 7h27
